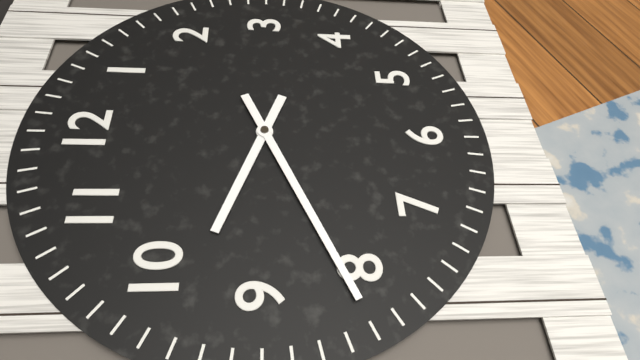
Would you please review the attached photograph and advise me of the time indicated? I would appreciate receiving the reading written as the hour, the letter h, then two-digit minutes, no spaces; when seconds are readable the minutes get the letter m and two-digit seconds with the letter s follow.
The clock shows 9h41
